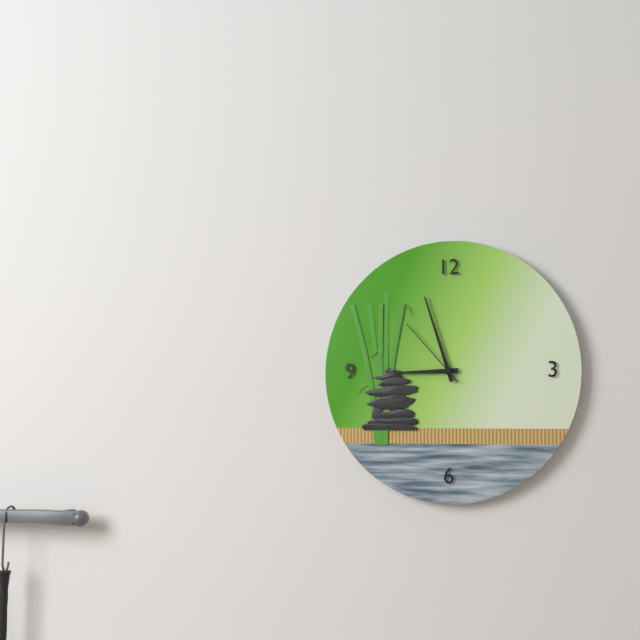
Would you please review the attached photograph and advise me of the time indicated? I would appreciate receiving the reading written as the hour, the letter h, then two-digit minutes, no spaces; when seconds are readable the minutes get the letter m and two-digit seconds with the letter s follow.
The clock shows 8h57m53s
